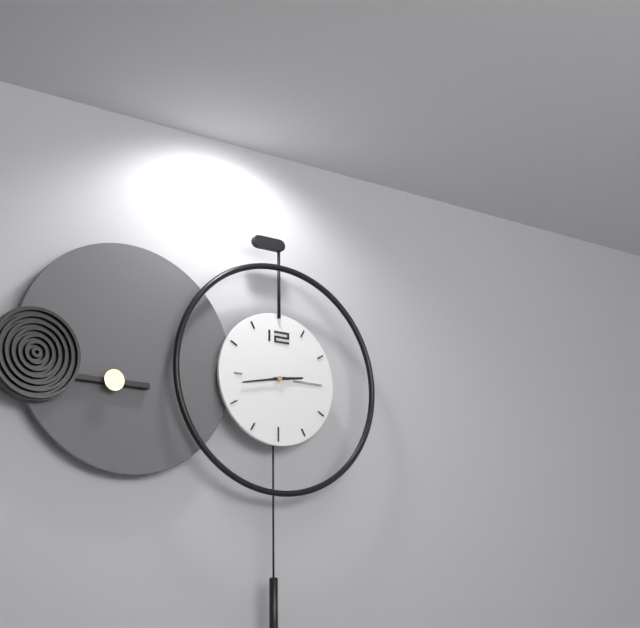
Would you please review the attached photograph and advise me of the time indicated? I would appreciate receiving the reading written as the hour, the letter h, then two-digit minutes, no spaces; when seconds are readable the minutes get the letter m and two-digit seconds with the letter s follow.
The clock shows 2h43
